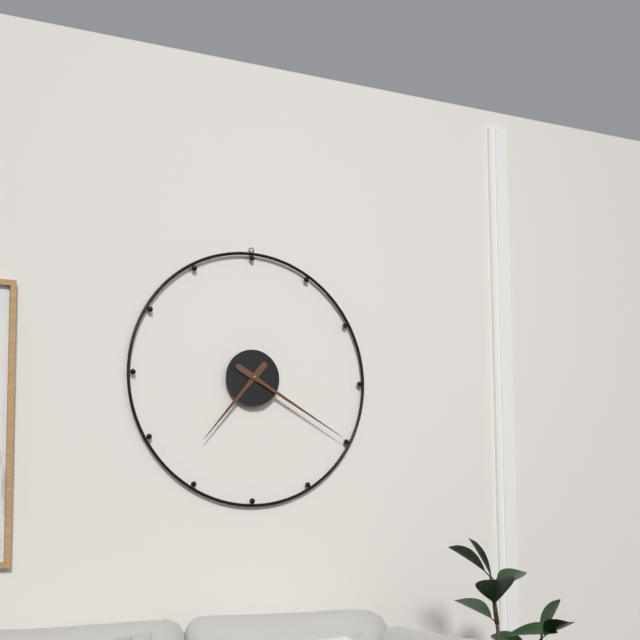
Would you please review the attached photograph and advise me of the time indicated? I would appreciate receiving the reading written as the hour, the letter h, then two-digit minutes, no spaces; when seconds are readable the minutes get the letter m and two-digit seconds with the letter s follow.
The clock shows 7h20
